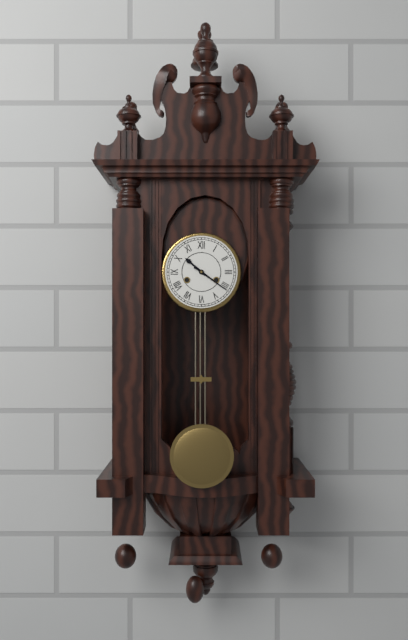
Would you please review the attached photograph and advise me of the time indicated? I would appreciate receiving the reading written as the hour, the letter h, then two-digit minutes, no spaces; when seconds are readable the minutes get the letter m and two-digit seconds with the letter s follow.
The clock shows 10h21
